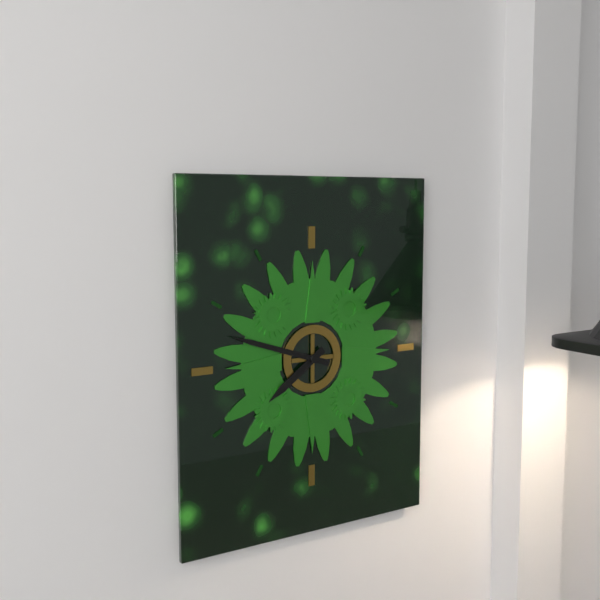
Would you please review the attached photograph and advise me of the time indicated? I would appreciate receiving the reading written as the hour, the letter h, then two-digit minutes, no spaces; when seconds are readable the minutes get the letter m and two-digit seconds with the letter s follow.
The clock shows 7h48
